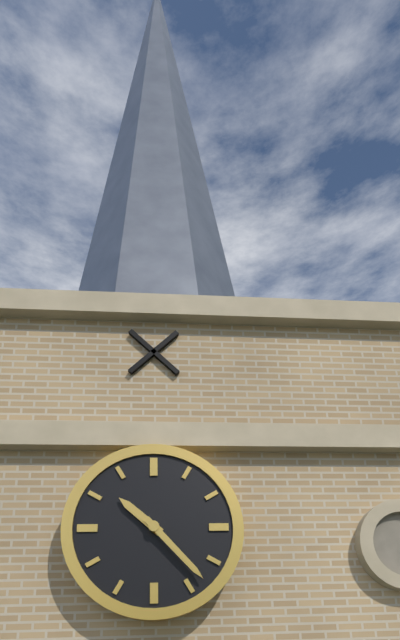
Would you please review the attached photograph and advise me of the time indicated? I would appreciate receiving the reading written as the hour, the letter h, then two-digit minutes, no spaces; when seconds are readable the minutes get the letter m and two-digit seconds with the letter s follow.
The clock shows 10h23
